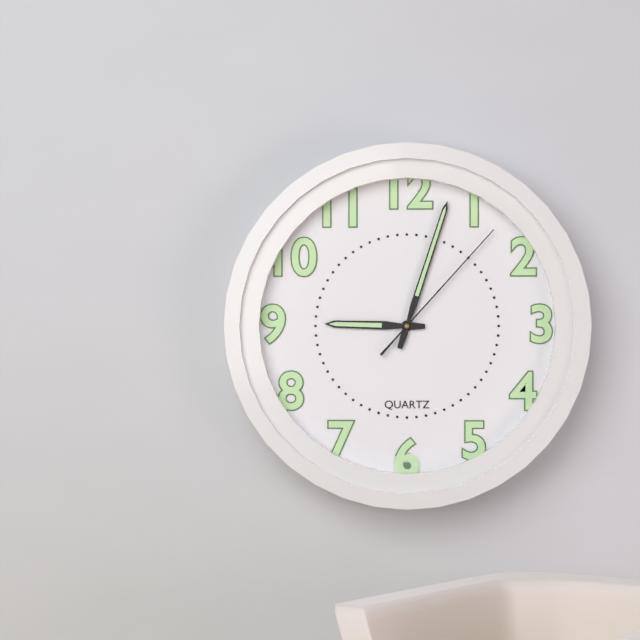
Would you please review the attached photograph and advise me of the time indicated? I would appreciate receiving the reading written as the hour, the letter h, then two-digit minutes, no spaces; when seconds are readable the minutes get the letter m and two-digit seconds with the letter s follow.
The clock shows 9h03m07s
